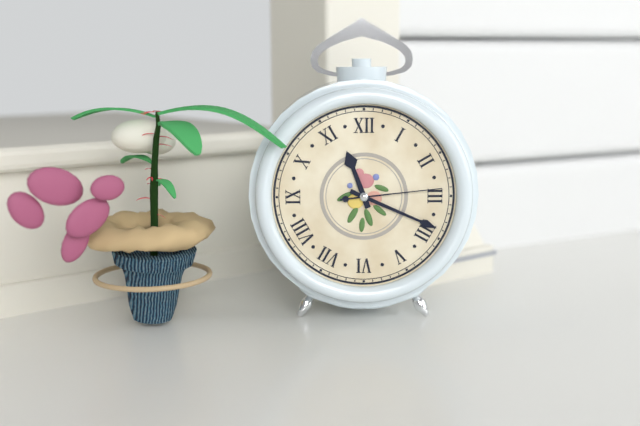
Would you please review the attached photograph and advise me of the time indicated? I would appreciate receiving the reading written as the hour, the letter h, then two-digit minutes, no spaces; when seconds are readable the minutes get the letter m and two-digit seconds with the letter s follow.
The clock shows 11h19m14s
